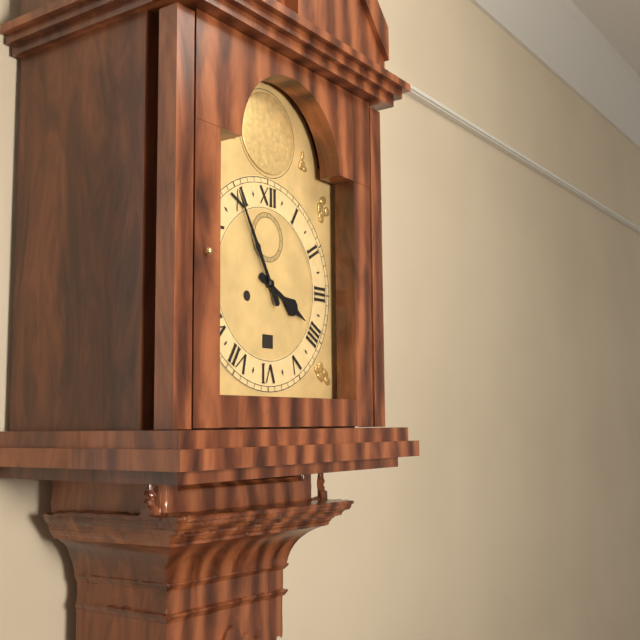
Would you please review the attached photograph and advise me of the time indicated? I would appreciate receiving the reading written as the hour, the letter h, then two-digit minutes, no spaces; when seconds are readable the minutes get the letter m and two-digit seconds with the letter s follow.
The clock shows 3h55
